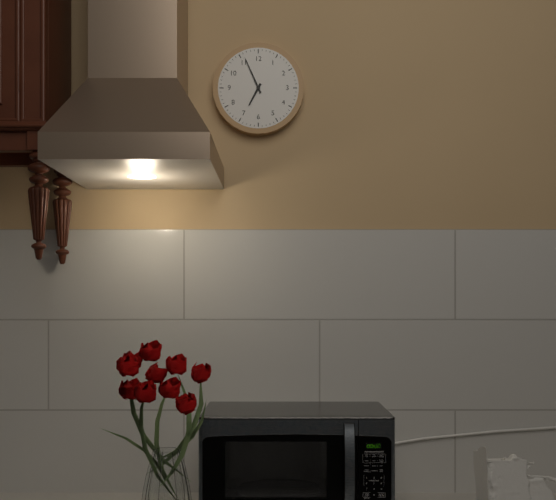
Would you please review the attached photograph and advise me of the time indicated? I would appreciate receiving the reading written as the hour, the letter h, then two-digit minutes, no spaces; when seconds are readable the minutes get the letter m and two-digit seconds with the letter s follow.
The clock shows 6h56
